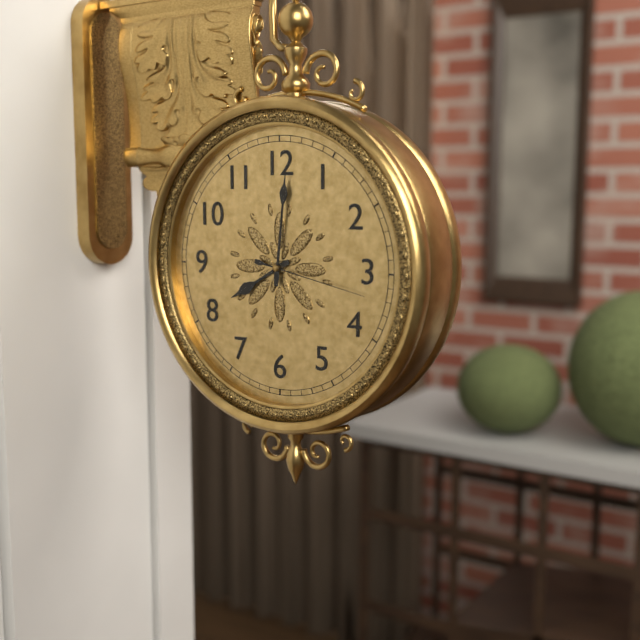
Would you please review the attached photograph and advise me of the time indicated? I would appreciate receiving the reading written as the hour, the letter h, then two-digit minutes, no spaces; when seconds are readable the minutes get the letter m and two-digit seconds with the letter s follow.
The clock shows 8h01m17s
